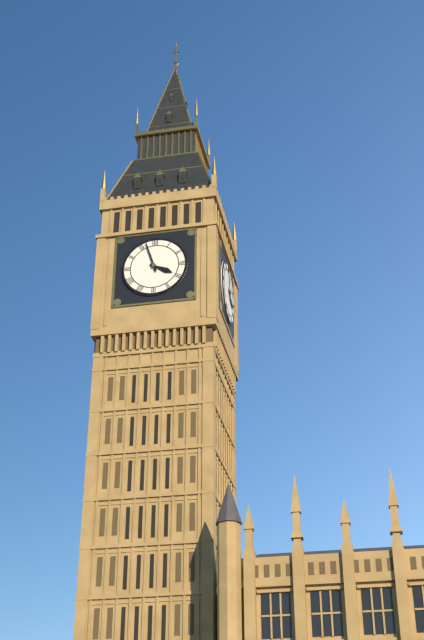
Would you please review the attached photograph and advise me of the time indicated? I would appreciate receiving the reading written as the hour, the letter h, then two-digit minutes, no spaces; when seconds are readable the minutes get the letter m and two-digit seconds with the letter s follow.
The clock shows 3h57
